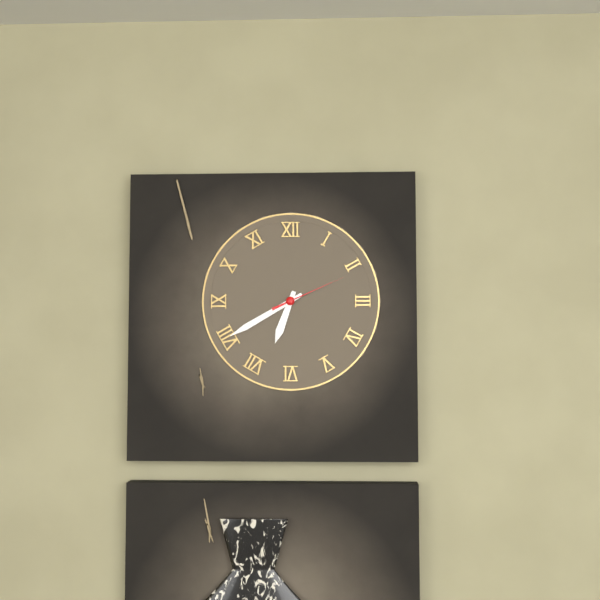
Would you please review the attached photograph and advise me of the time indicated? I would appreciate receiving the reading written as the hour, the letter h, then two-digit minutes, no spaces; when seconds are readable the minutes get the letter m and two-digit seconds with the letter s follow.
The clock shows 6h40m11s
